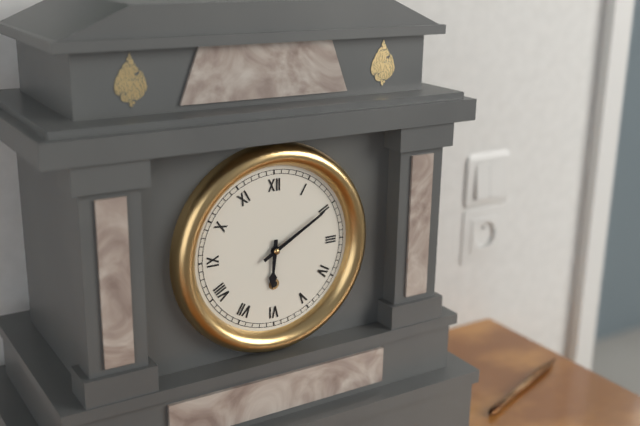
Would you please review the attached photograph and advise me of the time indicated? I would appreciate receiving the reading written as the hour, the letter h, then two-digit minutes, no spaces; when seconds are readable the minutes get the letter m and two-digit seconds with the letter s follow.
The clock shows 6h10
